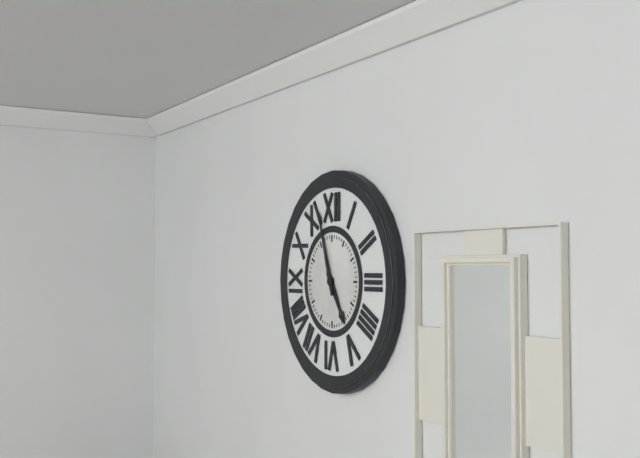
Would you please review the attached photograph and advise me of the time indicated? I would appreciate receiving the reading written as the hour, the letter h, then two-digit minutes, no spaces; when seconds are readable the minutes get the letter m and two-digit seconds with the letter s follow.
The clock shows 4h57
